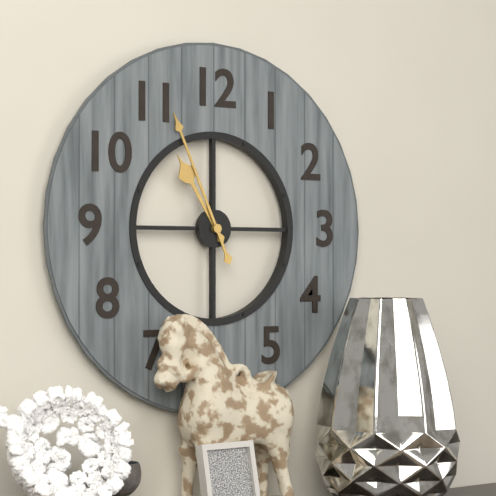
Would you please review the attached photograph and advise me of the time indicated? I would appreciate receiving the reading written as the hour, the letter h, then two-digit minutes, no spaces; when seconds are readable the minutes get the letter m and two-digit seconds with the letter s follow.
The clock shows 10h56
